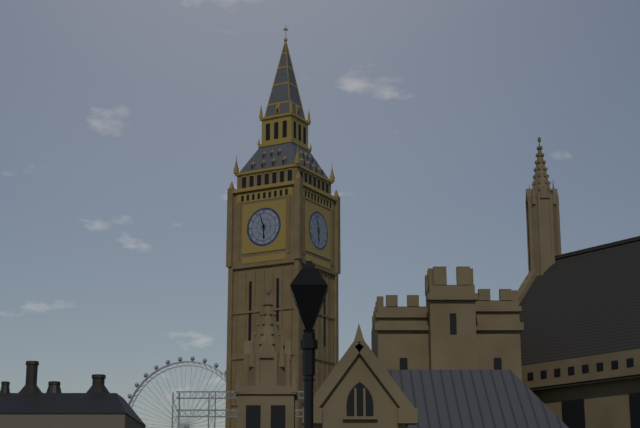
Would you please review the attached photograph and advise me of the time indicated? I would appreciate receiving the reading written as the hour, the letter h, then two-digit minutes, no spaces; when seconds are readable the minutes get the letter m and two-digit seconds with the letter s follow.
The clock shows 5h57
